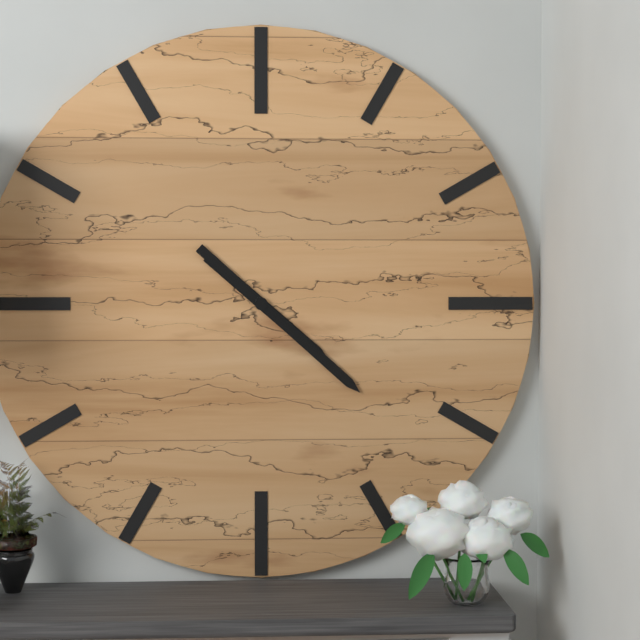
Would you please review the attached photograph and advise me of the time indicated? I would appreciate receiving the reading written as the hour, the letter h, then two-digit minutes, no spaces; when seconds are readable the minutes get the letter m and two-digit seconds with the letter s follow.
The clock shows 4h22
